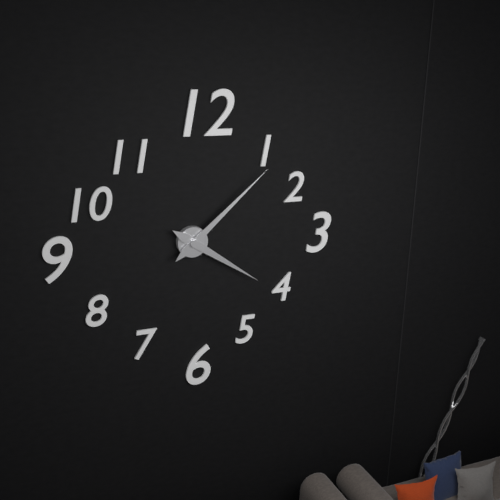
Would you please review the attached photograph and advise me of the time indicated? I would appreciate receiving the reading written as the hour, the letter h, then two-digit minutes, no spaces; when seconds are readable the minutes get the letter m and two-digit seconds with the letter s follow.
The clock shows 4h08
